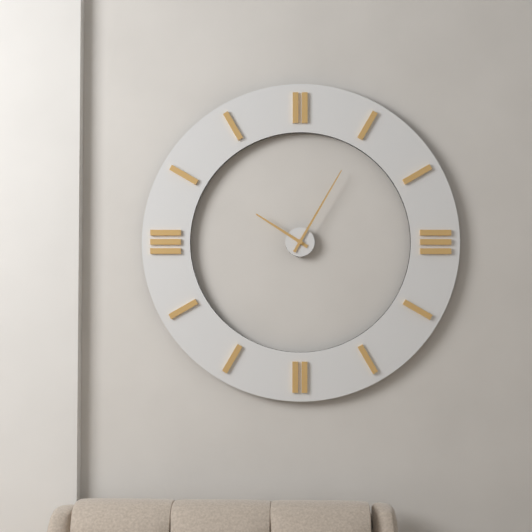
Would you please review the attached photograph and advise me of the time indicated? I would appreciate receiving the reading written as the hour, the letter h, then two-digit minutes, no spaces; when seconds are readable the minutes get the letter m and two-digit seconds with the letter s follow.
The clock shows 10h05
